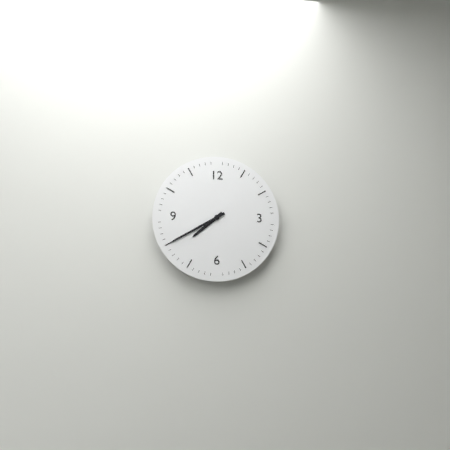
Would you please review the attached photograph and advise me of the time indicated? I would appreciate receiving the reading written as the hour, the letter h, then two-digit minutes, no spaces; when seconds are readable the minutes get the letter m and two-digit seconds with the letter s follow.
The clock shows 7h40
